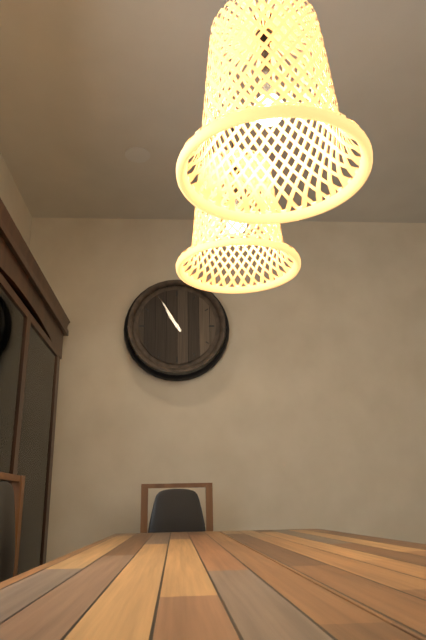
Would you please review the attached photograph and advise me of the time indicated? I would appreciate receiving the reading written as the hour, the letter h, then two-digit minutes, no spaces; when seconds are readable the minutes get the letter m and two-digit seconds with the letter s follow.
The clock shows 10h55
